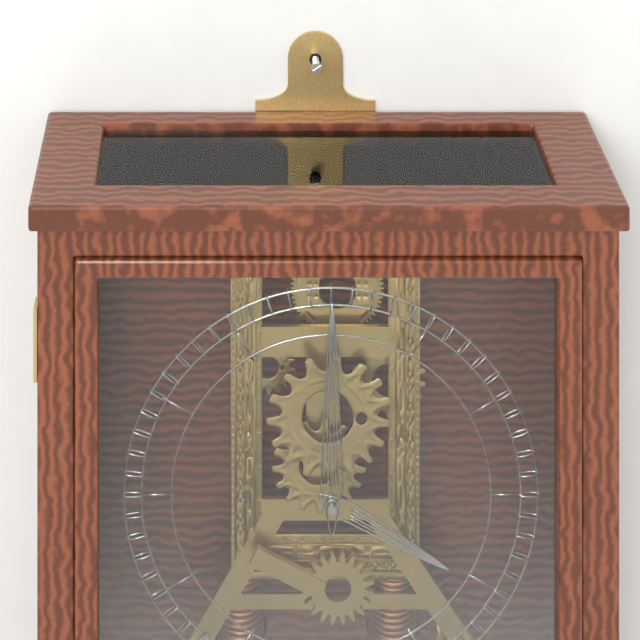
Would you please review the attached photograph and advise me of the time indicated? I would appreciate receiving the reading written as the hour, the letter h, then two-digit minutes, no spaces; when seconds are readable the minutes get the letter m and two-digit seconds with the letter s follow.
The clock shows 4h00
